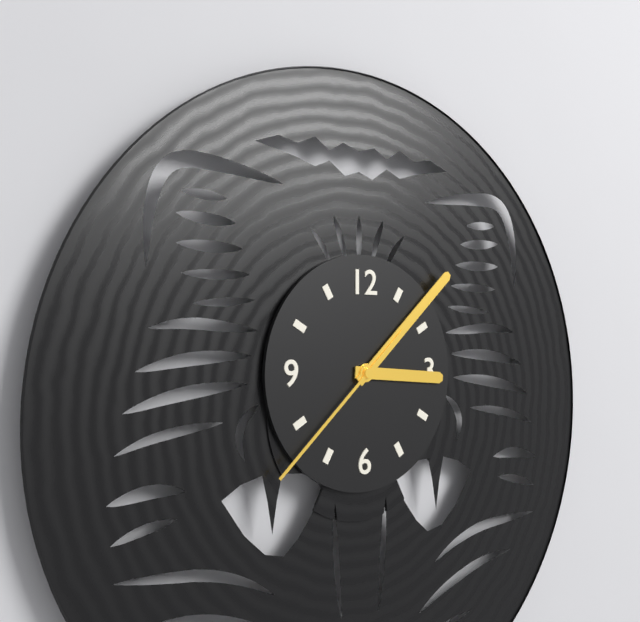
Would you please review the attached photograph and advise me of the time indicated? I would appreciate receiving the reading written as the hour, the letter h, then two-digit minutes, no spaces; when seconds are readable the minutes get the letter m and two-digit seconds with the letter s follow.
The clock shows 3h08m38s
